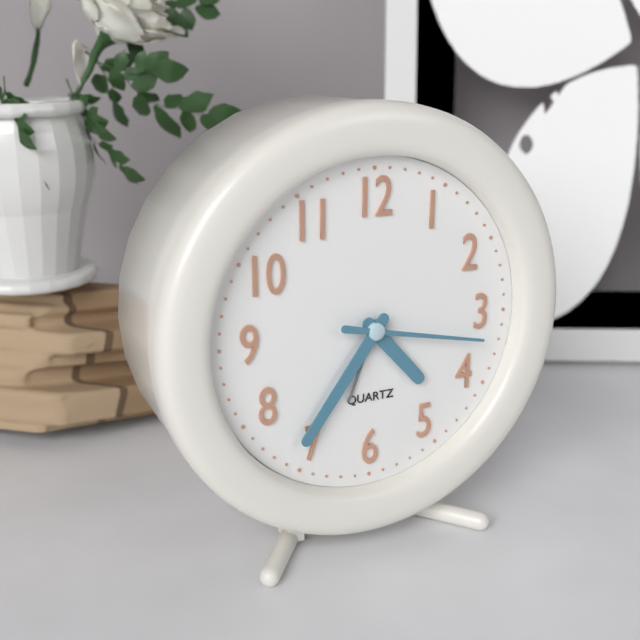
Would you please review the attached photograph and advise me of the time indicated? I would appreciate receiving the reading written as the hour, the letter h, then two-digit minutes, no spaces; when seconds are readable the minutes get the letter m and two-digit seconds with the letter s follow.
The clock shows 4h36m17s
